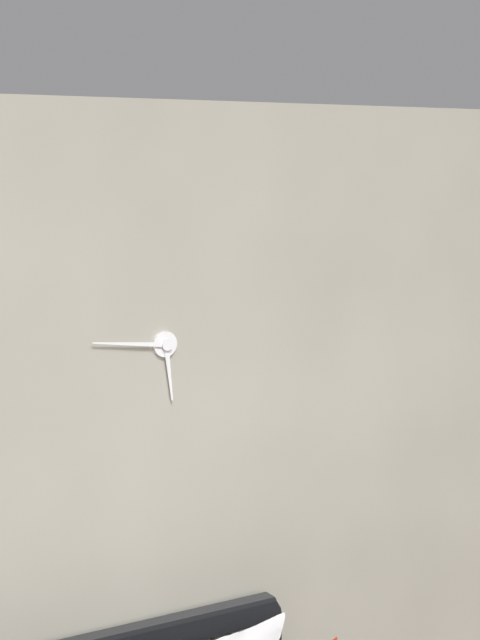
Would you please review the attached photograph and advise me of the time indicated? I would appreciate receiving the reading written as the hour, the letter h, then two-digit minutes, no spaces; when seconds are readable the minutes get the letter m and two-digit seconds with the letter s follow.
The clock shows 5h46
